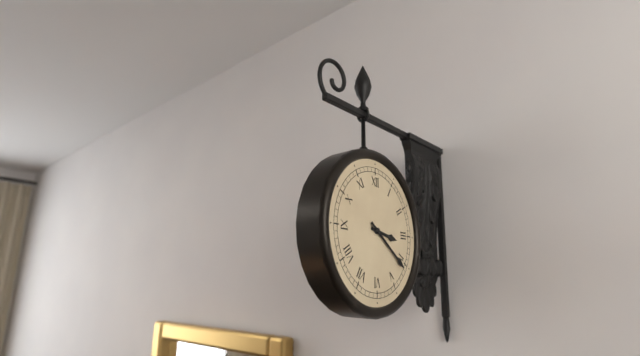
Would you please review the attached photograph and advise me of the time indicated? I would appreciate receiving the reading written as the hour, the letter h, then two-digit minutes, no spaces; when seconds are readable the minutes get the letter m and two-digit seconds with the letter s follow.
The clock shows 3h21
